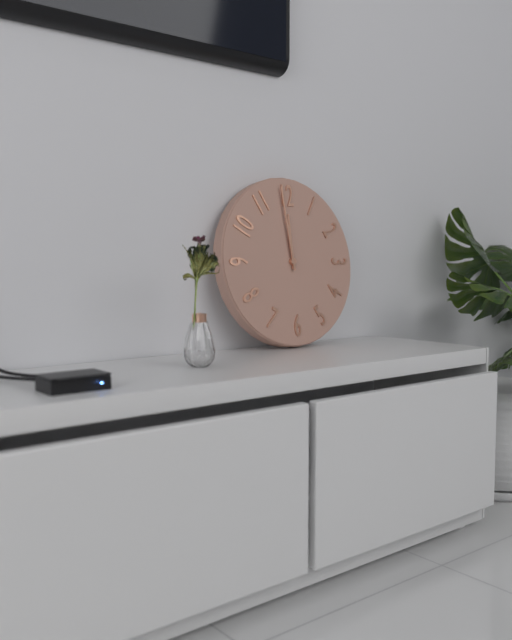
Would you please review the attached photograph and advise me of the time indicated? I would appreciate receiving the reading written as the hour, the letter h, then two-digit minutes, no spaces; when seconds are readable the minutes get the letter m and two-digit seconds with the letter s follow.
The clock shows 11h59
